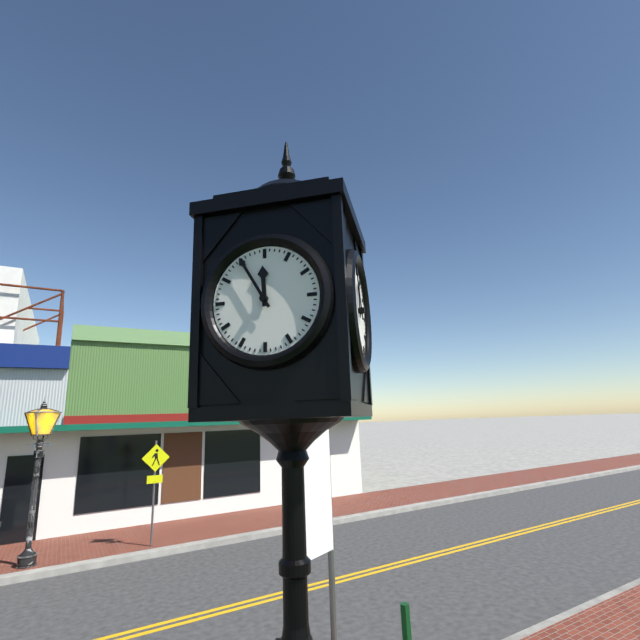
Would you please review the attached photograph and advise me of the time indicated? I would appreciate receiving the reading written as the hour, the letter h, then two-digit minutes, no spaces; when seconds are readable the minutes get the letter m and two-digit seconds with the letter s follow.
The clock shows 11h55
